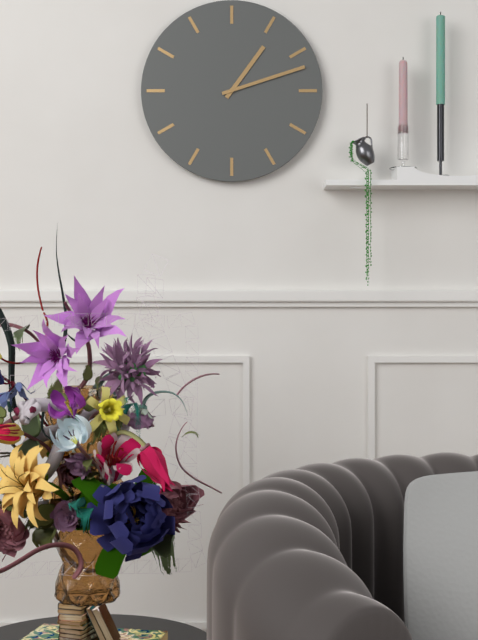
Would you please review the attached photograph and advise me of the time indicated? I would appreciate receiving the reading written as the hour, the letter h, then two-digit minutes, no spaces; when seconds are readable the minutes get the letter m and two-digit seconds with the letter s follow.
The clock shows 1h12
